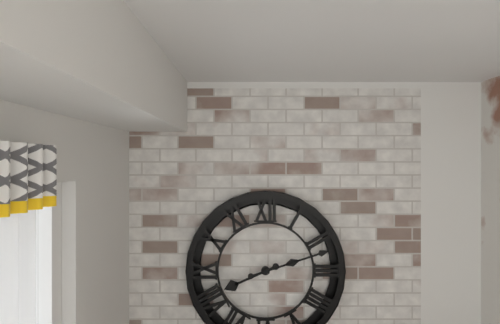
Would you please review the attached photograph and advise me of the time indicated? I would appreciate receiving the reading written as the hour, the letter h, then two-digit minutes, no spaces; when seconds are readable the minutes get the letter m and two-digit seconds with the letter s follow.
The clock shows 8h12
